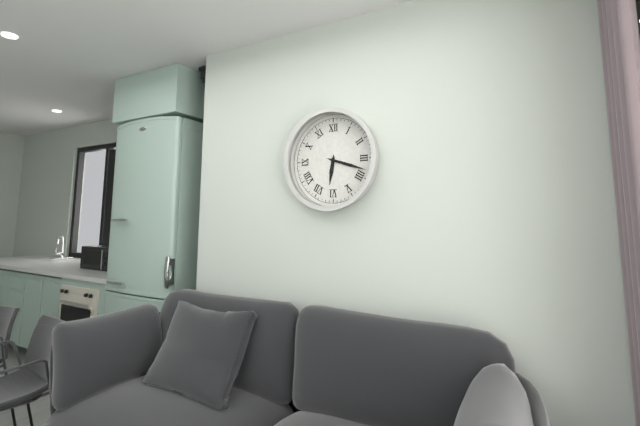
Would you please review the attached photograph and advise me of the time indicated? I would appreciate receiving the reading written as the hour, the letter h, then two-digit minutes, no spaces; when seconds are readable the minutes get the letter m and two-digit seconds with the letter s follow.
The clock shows 6h18
